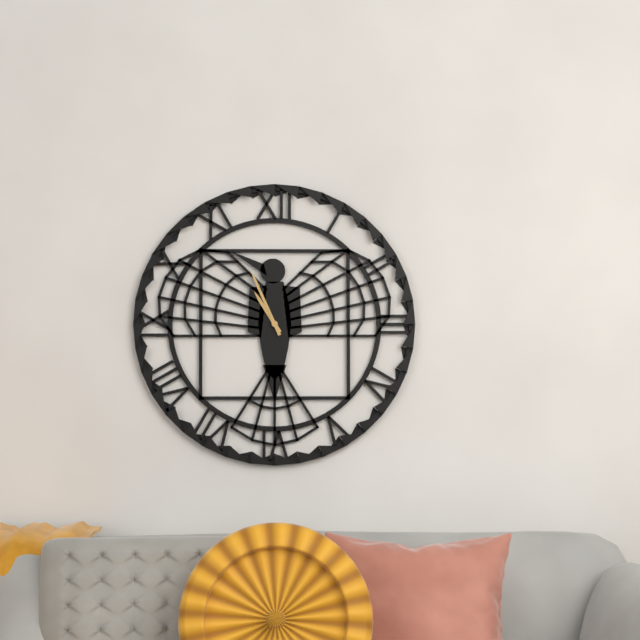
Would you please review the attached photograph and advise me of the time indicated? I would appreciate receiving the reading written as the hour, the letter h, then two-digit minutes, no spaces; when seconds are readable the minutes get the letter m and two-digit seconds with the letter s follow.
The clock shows 10h56
